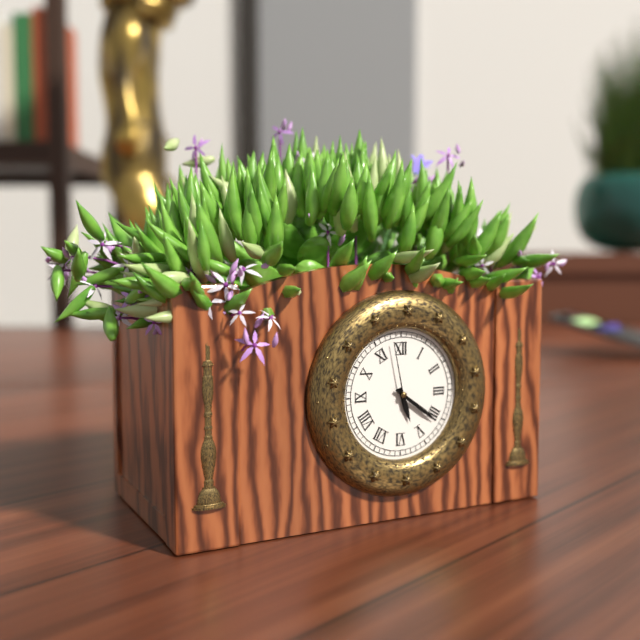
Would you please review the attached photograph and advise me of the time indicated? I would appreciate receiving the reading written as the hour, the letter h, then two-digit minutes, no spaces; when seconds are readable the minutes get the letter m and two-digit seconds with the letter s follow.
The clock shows 5h21m58s
